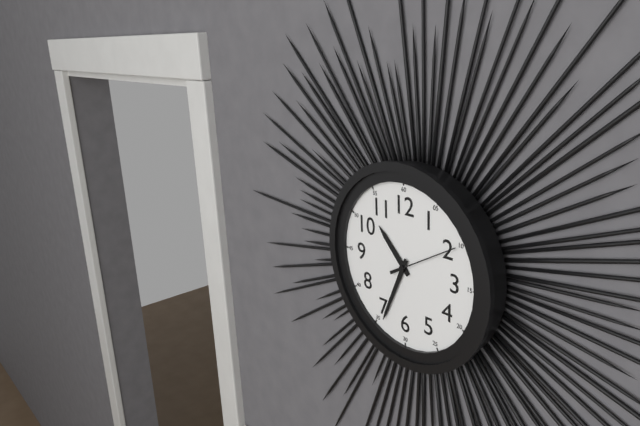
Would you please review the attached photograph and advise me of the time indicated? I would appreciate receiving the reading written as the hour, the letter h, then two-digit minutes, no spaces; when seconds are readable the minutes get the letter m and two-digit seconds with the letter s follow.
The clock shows 10h34m10s
